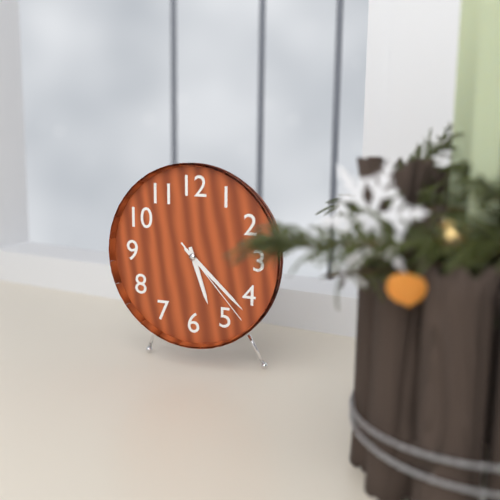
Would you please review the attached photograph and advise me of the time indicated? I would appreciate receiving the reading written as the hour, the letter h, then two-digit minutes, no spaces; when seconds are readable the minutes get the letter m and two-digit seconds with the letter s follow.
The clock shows 5h22m23s
